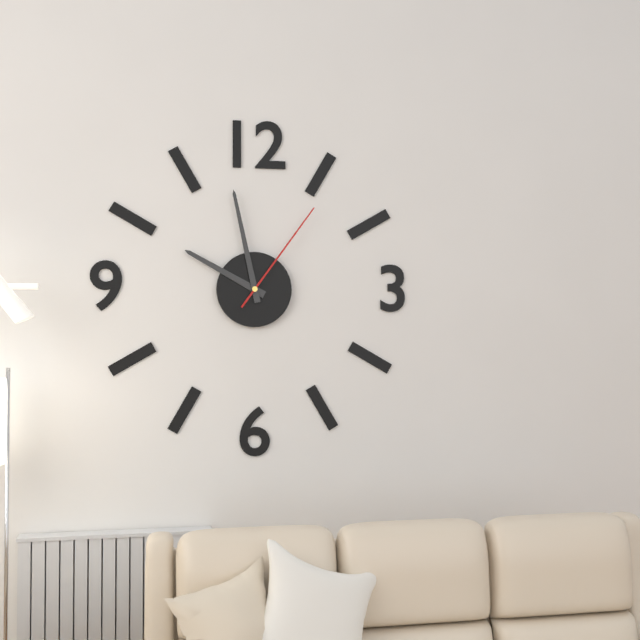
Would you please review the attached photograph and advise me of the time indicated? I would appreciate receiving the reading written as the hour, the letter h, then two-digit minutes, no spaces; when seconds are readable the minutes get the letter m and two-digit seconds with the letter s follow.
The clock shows 9h58m06s
